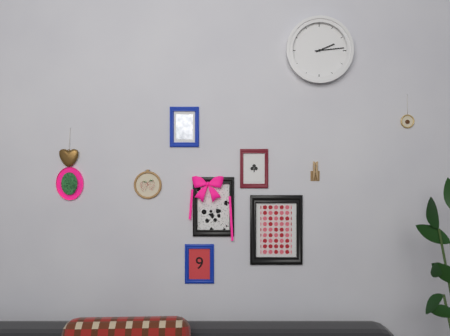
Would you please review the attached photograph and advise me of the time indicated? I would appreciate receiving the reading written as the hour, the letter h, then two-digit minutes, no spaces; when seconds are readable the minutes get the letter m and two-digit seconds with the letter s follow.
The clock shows 2h14
